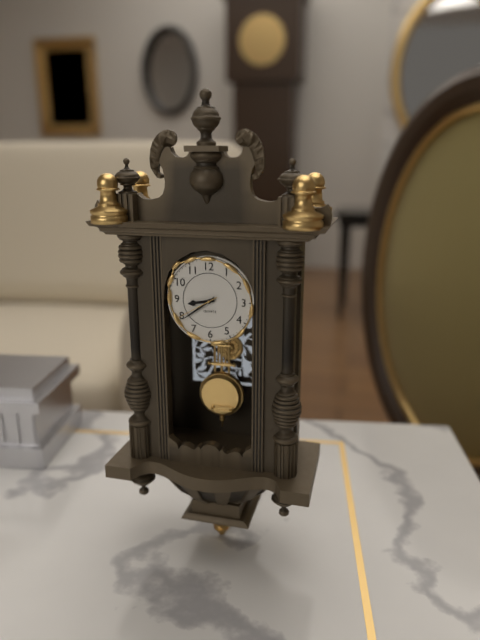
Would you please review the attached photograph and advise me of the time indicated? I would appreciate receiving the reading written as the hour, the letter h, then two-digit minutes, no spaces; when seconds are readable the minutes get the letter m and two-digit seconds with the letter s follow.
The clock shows 8h39
